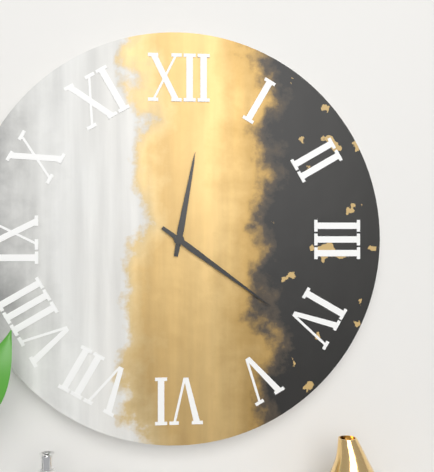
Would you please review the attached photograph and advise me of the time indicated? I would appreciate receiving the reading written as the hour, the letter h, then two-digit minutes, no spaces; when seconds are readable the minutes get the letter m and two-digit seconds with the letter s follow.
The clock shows 12h21
